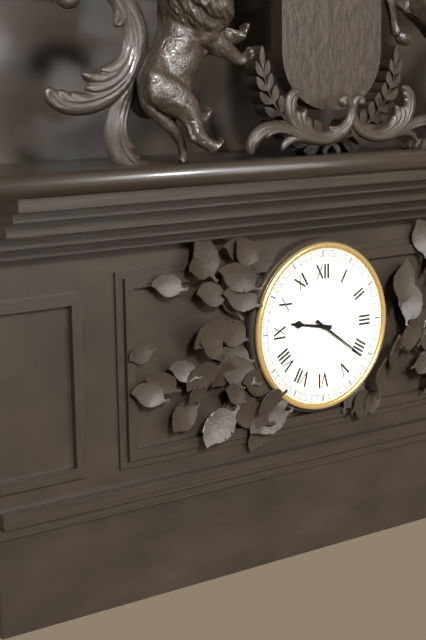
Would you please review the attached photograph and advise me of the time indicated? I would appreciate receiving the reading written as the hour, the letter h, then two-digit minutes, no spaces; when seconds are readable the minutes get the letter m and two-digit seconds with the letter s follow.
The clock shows 9h21
